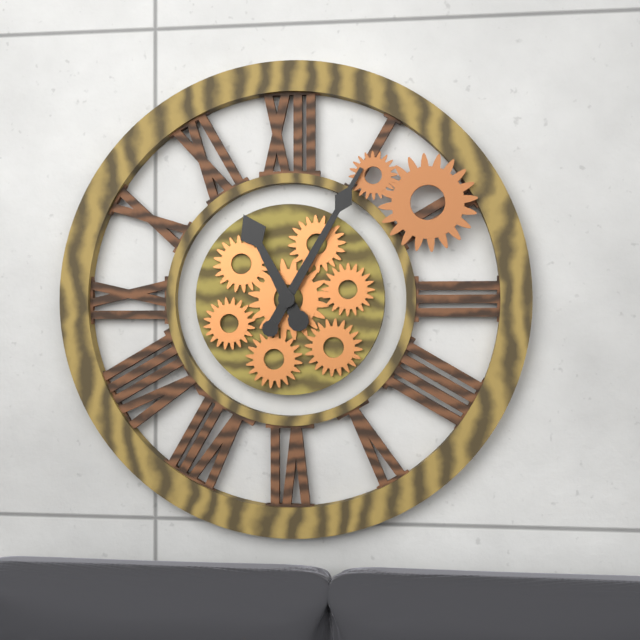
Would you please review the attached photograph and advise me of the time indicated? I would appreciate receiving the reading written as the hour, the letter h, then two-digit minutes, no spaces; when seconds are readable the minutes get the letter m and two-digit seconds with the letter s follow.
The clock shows 11h05
